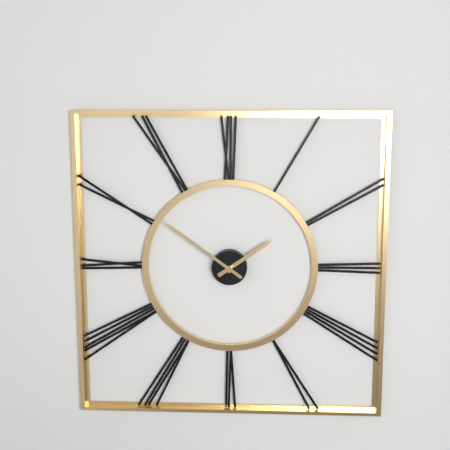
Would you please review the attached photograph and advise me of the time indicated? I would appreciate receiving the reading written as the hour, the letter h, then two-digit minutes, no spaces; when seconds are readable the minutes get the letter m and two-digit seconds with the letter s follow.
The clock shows 1h51
